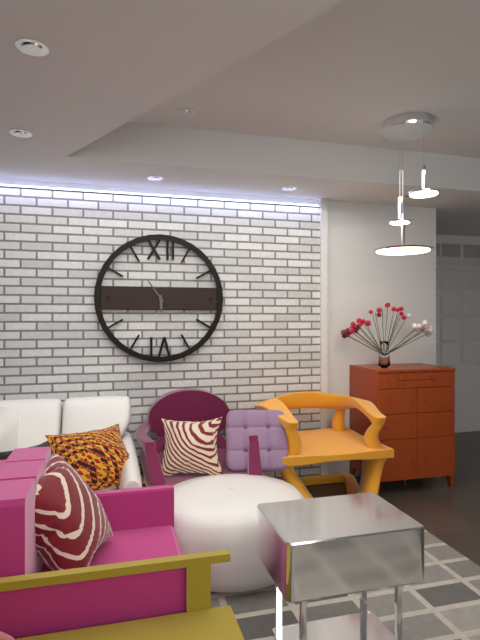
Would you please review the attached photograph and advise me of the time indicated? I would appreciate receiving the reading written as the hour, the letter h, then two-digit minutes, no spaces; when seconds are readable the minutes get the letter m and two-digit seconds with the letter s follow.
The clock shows 5h54
